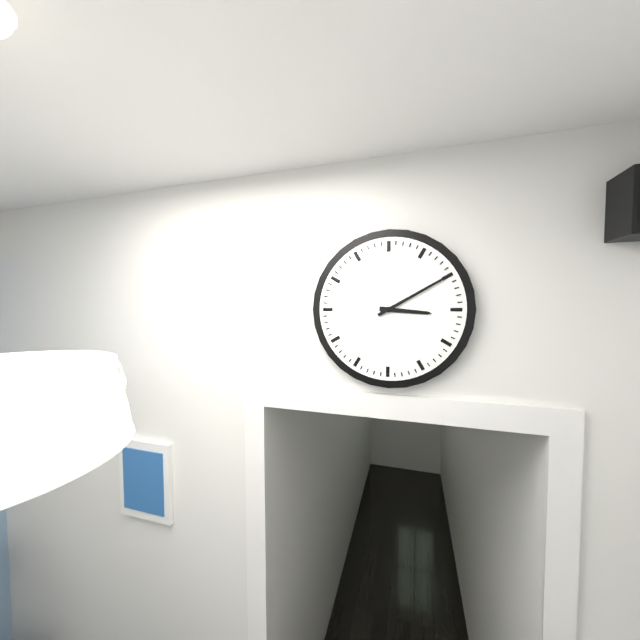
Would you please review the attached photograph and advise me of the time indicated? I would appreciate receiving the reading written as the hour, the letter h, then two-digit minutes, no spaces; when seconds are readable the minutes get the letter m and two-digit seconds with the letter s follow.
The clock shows 3h10
